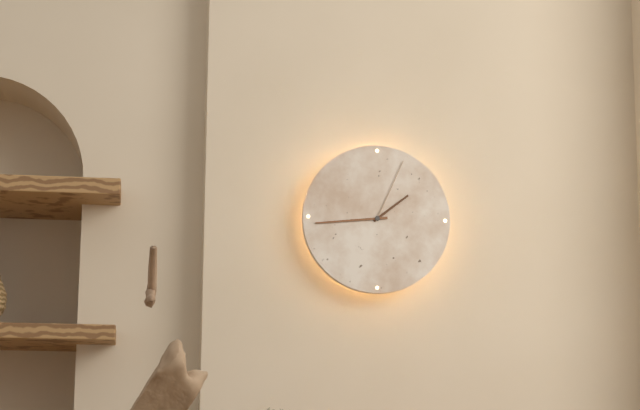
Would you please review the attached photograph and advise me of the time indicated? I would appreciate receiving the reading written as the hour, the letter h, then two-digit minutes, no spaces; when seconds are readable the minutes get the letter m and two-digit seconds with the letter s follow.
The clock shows 1h44m04s
